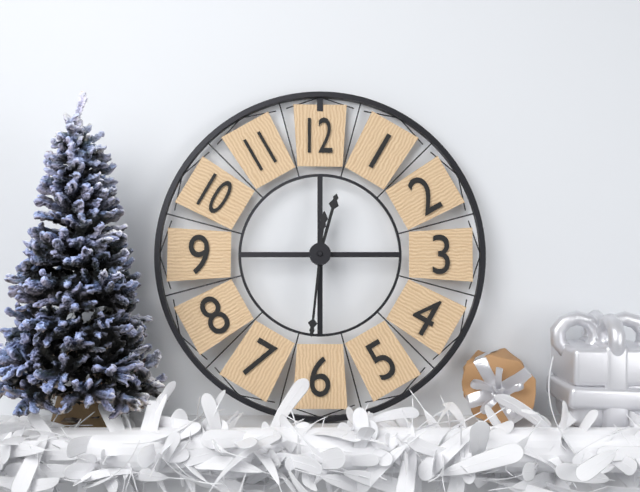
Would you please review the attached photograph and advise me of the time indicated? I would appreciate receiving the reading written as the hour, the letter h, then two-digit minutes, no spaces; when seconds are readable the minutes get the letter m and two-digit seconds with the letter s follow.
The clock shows 12h31
